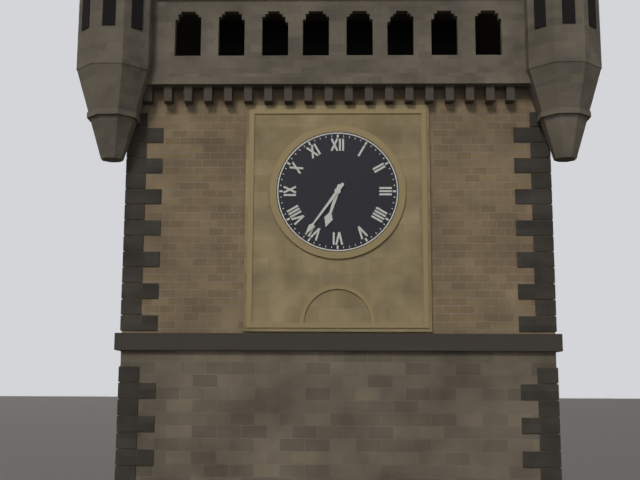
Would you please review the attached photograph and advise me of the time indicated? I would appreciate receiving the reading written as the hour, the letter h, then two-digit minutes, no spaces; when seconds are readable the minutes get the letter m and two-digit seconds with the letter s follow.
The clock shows 6h36
